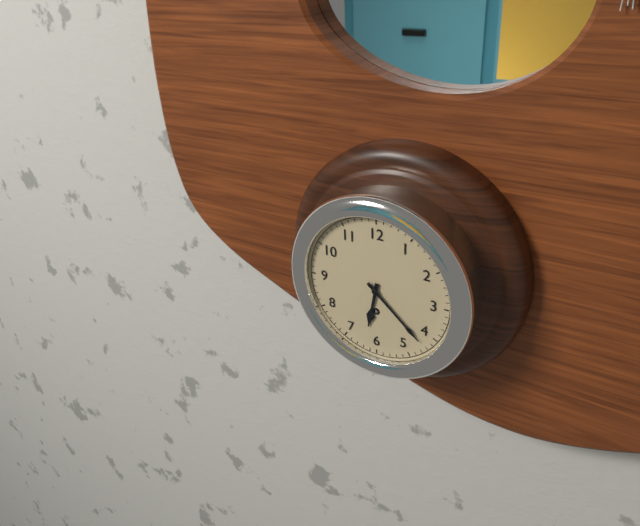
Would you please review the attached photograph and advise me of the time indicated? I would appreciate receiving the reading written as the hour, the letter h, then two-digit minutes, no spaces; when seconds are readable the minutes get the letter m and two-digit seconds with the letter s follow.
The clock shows 6h22
